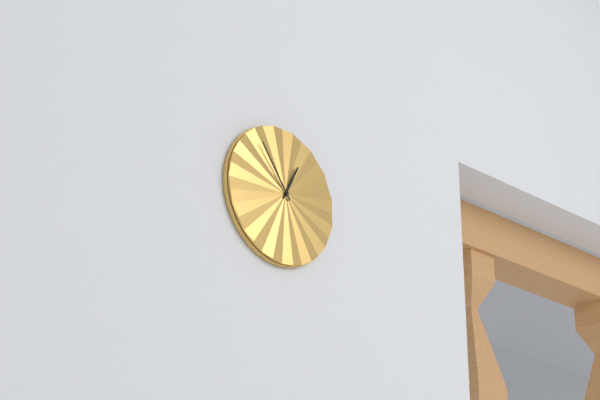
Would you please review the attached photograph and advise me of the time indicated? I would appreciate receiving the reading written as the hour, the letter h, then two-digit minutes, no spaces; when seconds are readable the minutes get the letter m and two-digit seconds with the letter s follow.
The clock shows 12h54
